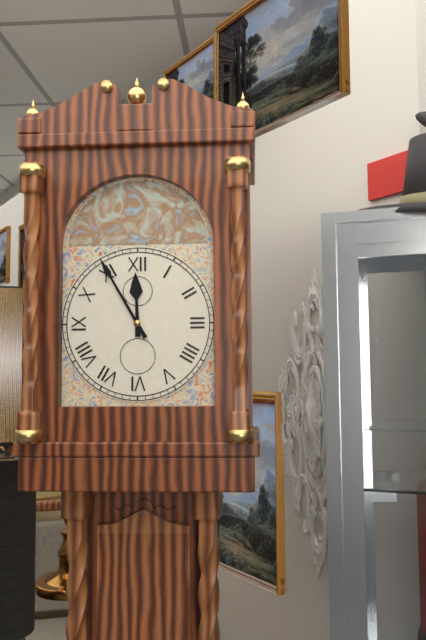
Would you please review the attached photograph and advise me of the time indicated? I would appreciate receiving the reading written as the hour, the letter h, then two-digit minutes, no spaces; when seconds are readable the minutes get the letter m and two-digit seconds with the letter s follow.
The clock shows 11h55
